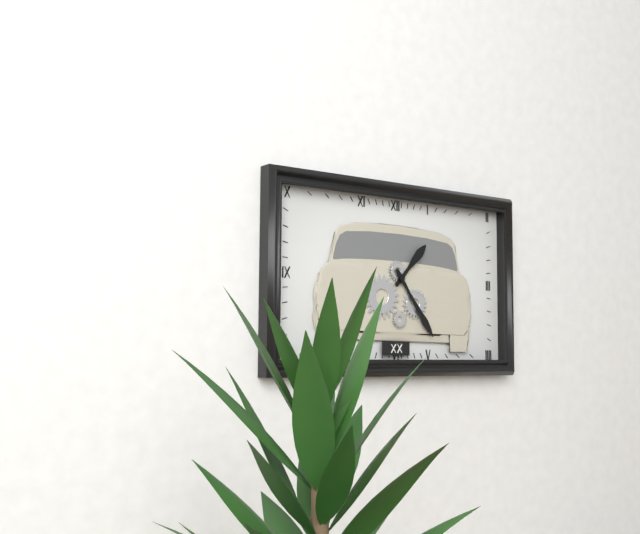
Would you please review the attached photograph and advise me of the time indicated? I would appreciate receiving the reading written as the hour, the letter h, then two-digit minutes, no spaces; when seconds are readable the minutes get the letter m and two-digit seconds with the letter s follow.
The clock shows 1h24
